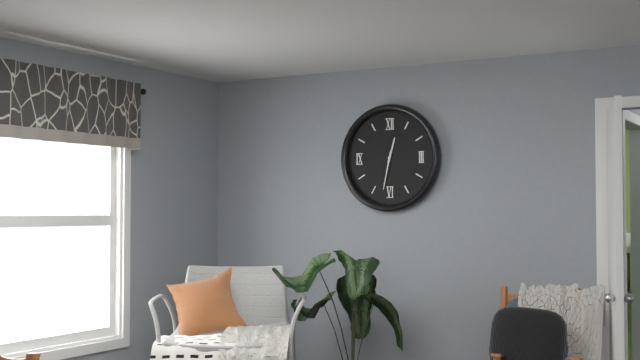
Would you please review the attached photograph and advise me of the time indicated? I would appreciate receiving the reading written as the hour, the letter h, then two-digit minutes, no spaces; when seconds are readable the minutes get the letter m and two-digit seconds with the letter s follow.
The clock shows 12h32
